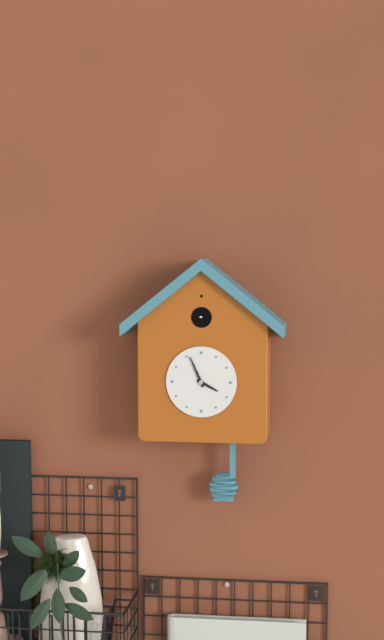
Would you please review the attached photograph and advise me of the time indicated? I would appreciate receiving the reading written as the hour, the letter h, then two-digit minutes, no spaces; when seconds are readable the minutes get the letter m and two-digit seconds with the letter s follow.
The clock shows 3h56
